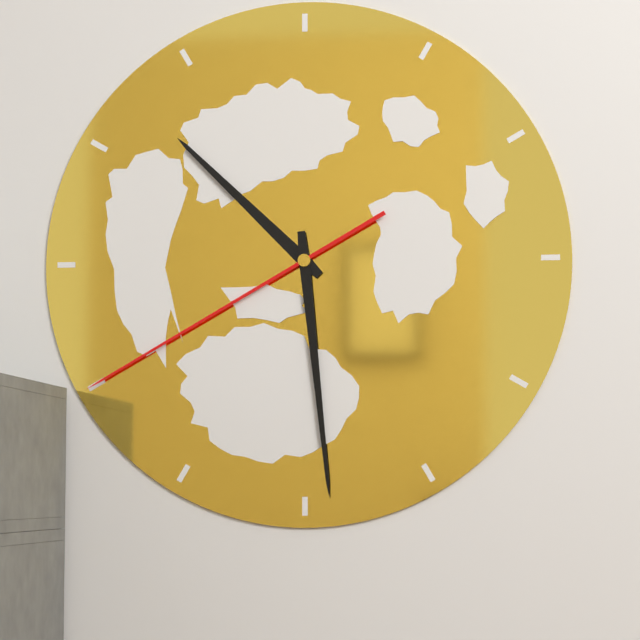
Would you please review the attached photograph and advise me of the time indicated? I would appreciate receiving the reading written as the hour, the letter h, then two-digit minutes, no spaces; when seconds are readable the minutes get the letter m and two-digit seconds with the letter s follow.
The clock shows 10h29m40s
